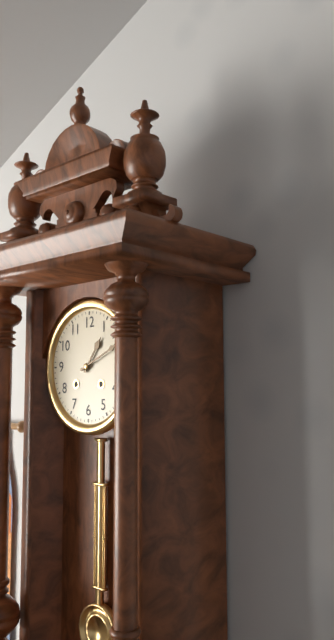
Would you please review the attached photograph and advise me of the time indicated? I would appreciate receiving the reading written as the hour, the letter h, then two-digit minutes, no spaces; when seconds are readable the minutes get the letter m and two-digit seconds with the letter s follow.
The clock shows 1h11
